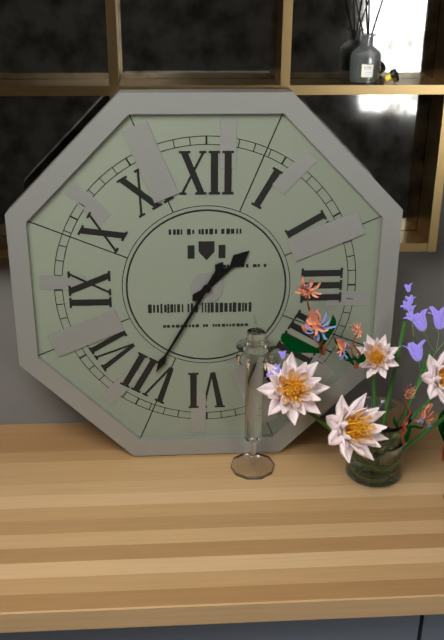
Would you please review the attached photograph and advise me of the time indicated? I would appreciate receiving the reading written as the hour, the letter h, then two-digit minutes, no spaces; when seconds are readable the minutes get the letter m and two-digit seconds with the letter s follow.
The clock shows 1h35
